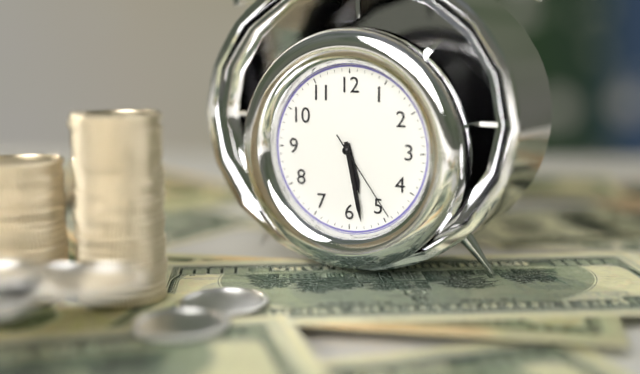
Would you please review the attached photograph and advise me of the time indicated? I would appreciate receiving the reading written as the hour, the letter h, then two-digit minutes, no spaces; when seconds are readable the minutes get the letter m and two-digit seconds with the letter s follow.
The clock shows 5h28m24s
